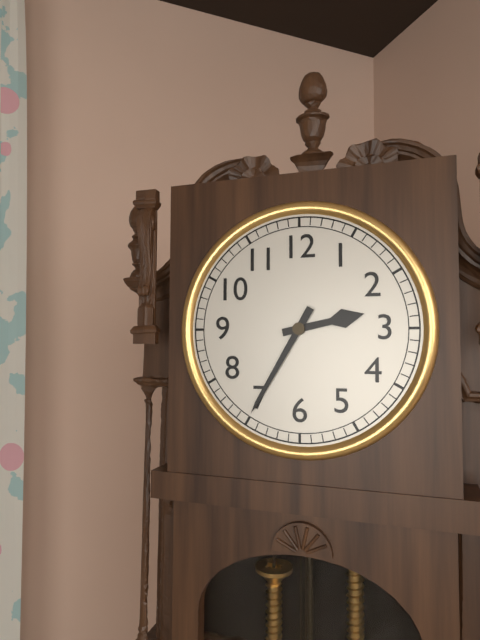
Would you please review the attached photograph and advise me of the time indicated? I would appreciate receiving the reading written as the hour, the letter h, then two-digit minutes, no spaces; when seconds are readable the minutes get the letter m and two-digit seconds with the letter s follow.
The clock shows 2h35
